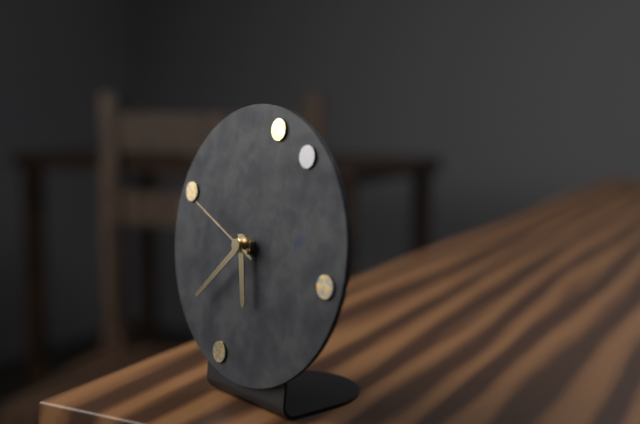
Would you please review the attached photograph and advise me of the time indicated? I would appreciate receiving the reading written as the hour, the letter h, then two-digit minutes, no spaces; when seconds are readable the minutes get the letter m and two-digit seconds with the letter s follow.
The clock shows 5h38m49s
